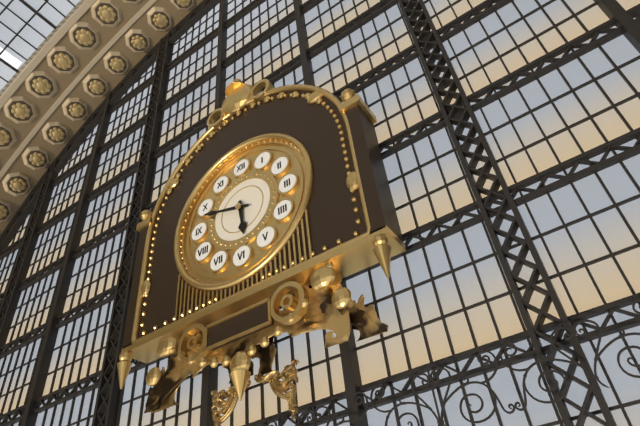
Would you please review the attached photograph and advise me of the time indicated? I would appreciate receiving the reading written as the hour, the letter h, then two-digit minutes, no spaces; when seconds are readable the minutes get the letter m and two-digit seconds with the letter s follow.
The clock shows 5h48
